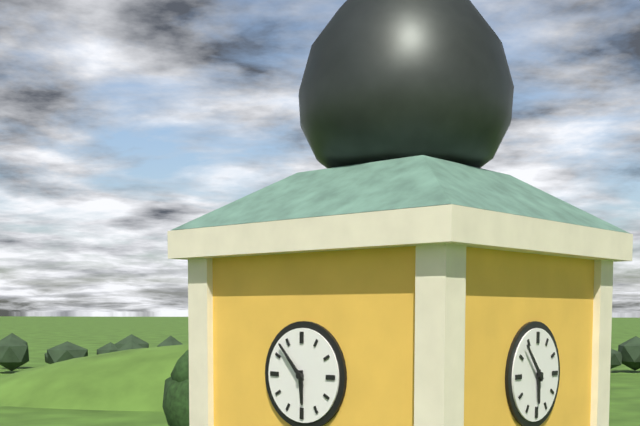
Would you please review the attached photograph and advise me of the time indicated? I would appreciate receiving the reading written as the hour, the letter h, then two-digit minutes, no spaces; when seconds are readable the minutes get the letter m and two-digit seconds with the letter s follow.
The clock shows 5h53
